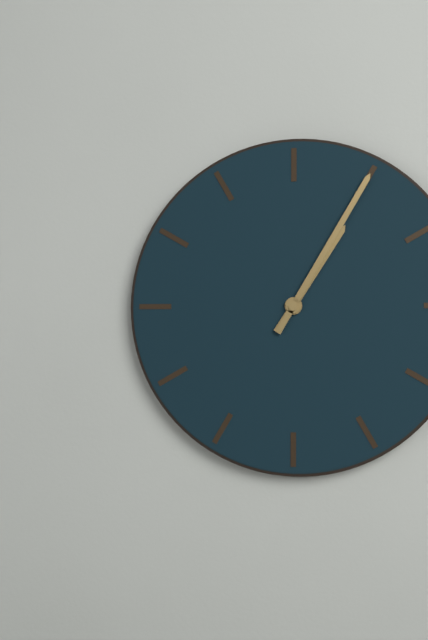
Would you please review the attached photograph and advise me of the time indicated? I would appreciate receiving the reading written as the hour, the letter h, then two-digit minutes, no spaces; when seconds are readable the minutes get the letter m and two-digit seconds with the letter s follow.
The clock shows 1h05
